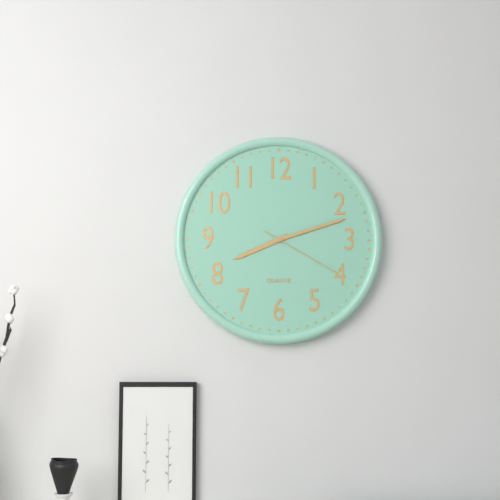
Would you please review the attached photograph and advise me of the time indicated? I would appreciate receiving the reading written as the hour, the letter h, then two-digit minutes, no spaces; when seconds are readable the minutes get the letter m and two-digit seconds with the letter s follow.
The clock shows 8h12m20s
